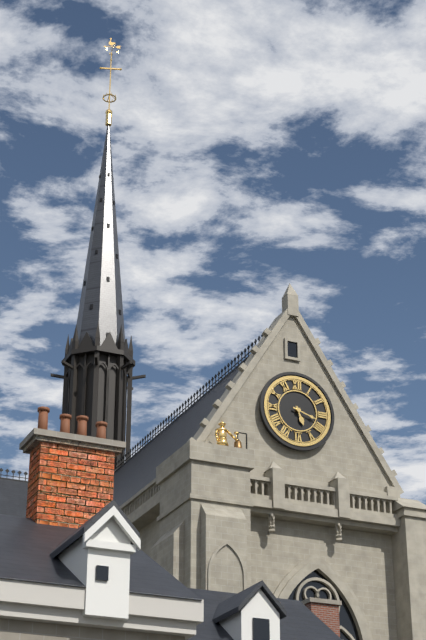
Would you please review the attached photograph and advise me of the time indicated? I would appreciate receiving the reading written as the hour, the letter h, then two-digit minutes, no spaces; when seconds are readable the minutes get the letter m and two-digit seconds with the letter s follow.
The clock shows 5h18
